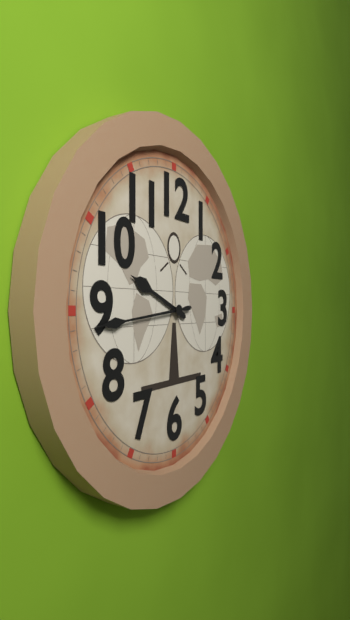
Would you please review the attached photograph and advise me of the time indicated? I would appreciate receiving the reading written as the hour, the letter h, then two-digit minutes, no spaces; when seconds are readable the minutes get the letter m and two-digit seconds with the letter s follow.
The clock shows 9h44
